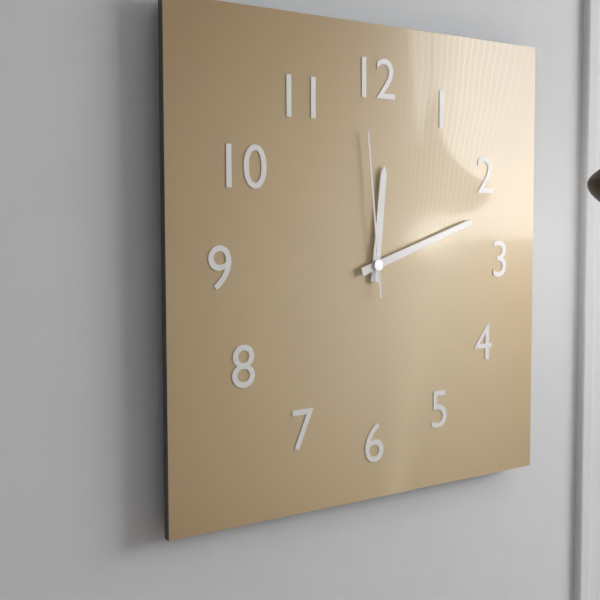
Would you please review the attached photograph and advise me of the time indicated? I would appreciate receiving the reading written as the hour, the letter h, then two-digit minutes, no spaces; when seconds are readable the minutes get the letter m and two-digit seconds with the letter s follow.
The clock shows 12h12m59s
